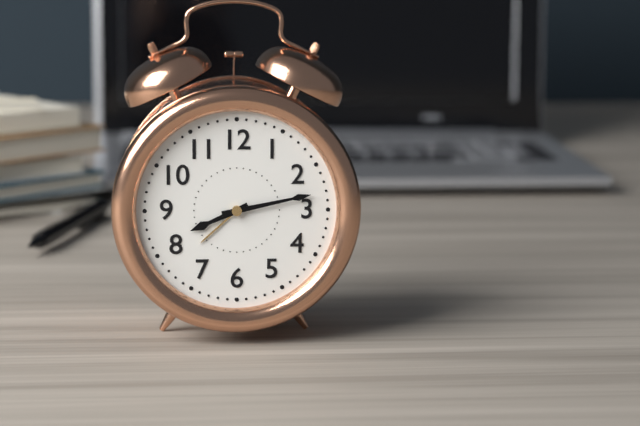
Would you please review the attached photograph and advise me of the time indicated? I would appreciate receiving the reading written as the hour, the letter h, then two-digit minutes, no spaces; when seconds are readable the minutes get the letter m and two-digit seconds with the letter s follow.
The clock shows 8h13
